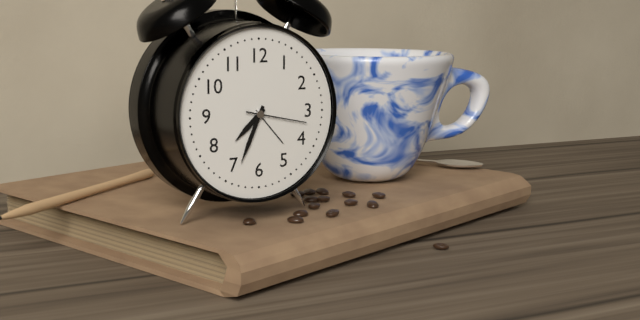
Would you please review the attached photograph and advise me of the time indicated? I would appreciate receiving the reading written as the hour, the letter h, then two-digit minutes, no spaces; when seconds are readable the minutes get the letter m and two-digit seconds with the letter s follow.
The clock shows 7h34m17s
